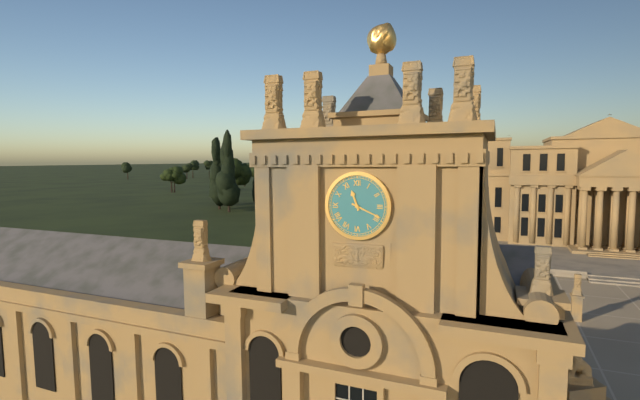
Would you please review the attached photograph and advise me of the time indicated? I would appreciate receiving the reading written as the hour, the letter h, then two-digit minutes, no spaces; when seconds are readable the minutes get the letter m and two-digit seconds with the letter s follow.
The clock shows 11h19
